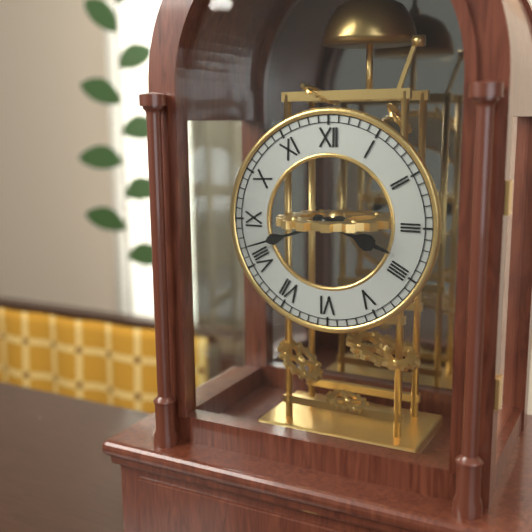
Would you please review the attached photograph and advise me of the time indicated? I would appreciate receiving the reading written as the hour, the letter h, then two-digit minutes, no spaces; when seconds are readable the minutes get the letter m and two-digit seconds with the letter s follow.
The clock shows 3h42
